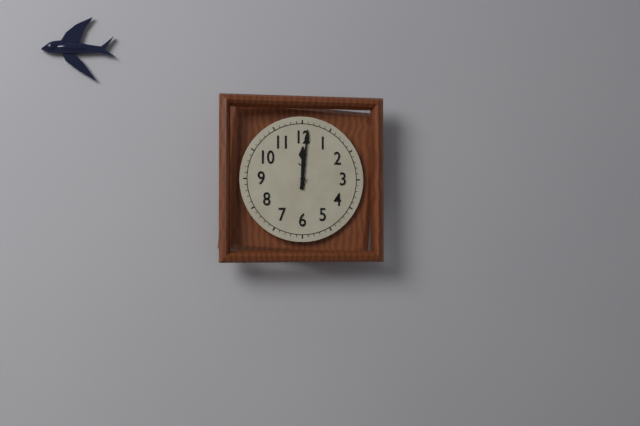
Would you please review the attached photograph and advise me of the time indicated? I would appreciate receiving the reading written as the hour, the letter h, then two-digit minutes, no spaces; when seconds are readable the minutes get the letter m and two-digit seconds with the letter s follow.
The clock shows 12h01
